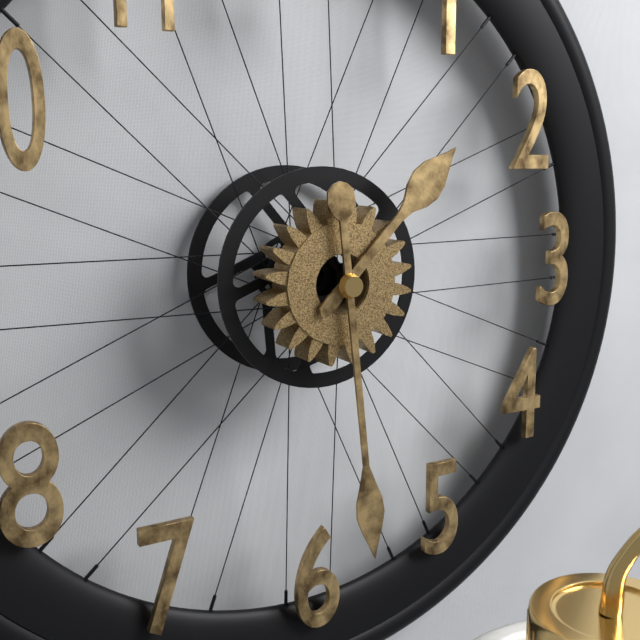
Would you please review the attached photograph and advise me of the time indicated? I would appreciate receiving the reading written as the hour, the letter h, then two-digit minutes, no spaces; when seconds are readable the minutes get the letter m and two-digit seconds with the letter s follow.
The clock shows 1h29
